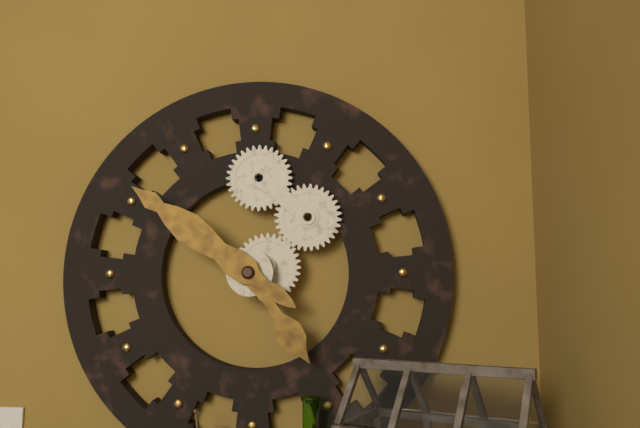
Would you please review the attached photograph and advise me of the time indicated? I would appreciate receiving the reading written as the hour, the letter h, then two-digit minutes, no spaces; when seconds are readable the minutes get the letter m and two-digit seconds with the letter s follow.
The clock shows 4h51
